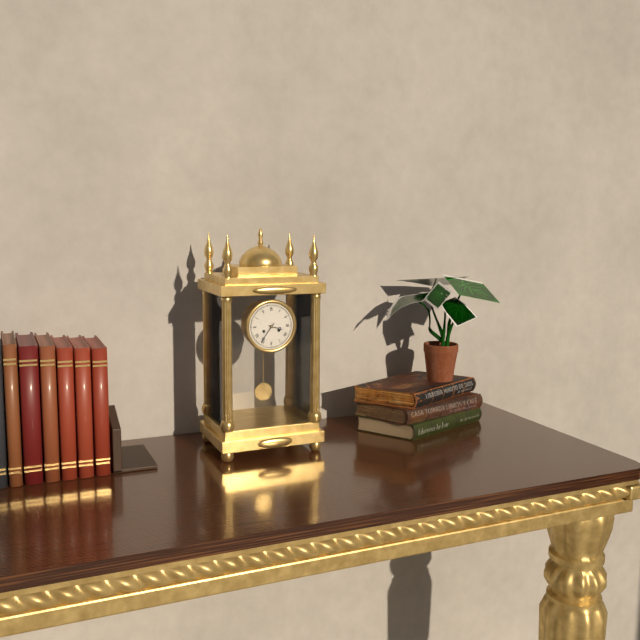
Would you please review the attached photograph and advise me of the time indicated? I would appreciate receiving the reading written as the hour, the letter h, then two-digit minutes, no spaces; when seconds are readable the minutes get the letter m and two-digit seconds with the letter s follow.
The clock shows 3h36
